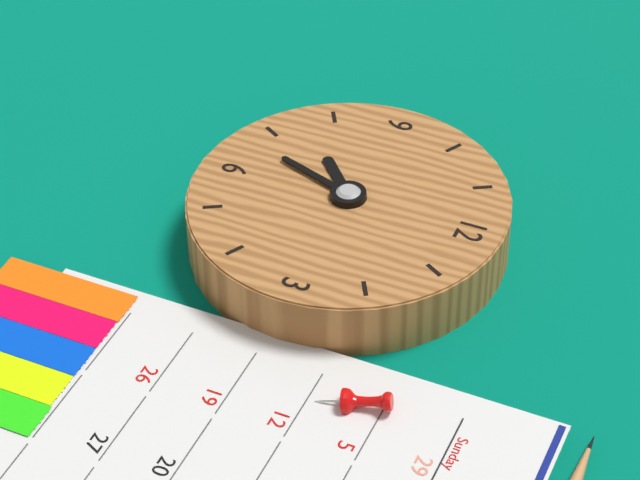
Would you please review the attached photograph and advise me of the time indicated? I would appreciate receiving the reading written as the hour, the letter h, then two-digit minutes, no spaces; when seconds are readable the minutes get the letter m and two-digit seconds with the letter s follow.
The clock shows 7h33
